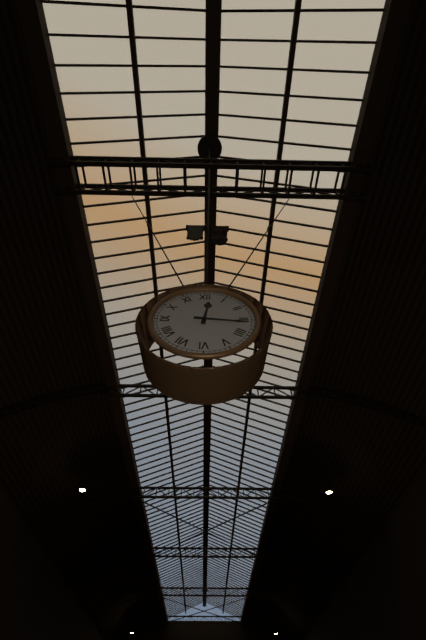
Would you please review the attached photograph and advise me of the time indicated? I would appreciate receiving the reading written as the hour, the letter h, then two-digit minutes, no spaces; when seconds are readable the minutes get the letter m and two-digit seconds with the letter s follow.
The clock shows 12h16
